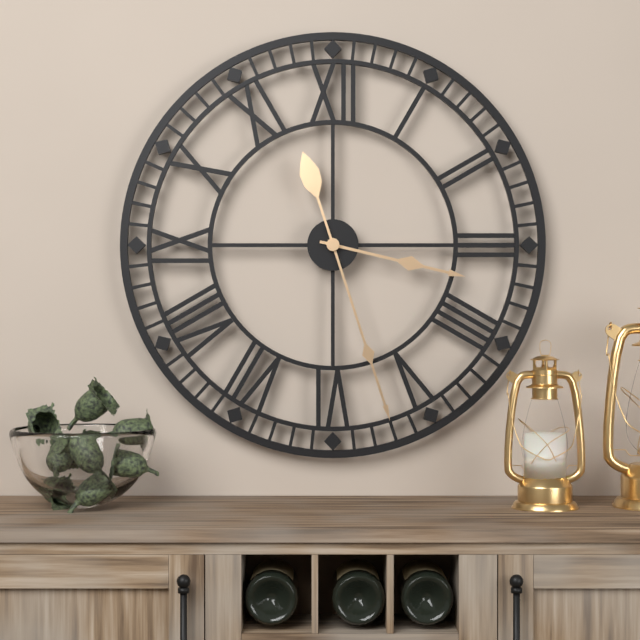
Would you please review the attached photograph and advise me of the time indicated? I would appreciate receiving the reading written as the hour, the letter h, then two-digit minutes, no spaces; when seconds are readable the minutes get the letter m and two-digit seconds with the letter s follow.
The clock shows 3h27
